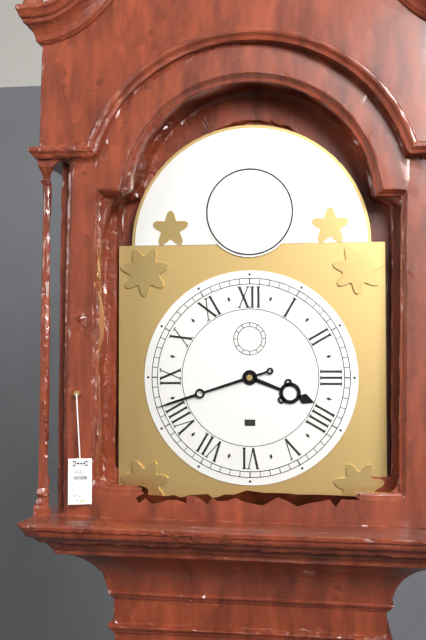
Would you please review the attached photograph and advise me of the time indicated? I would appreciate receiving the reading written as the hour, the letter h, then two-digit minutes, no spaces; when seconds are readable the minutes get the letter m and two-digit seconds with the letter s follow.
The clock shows 3h42
